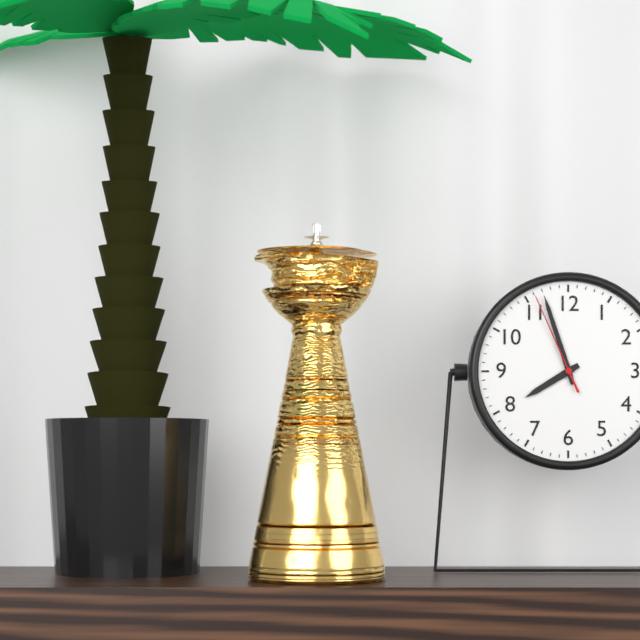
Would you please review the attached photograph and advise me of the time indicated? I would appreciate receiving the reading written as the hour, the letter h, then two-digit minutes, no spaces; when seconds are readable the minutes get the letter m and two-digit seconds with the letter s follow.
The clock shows 7h57m56s
